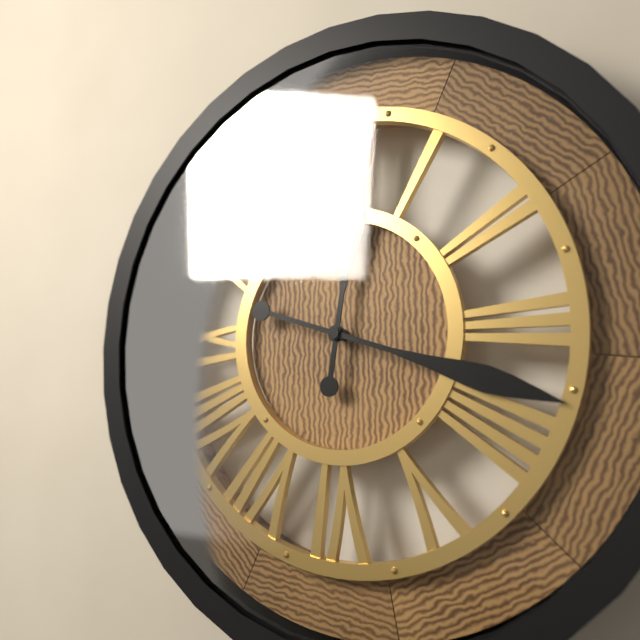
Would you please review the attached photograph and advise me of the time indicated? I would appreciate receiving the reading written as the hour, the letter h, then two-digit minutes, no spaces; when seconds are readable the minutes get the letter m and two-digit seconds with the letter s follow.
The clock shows 12h18
